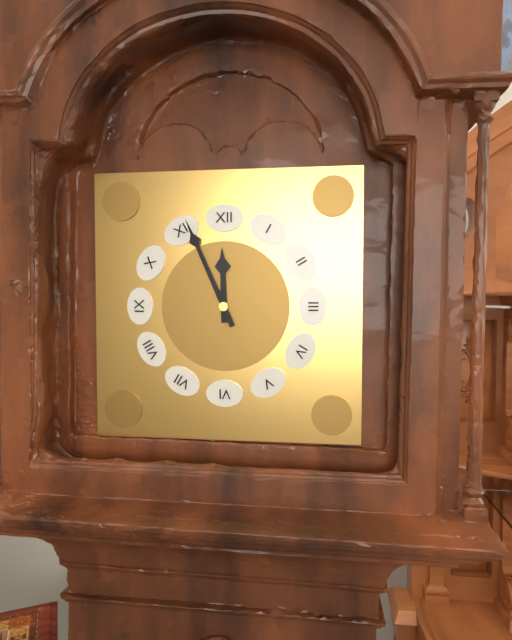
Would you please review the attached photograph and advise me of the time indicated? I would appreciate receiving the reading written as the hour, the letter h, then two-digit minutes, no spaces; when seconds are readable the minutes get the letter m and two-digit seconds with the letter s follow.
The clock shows 11h56
